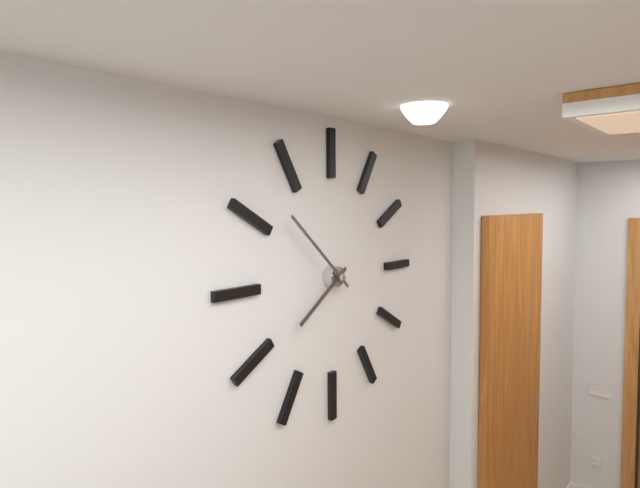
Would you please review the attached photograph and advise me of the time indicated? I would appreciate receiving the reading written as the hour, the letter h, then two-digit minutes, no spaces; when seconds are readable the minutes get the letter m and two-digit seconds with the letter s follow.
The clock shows 7h52
